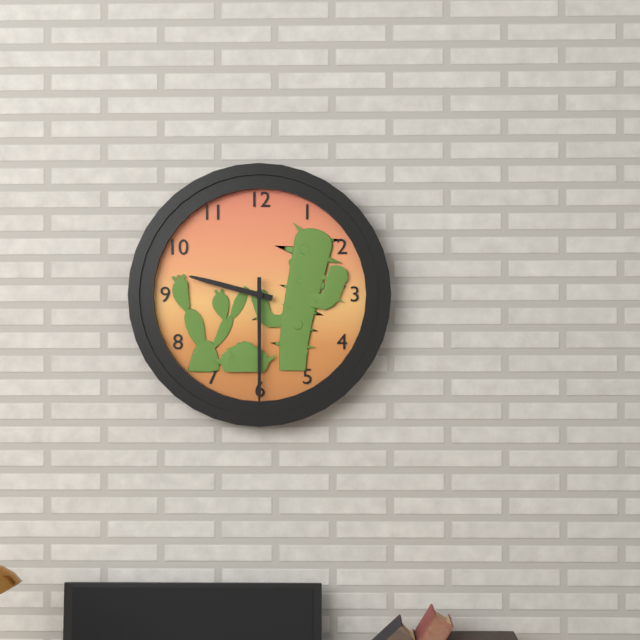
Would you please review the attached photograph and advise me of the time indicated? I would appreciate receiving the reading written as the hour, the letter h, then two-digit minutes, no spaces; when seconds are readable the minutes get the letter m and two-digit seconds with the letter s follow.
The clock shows 9h30
